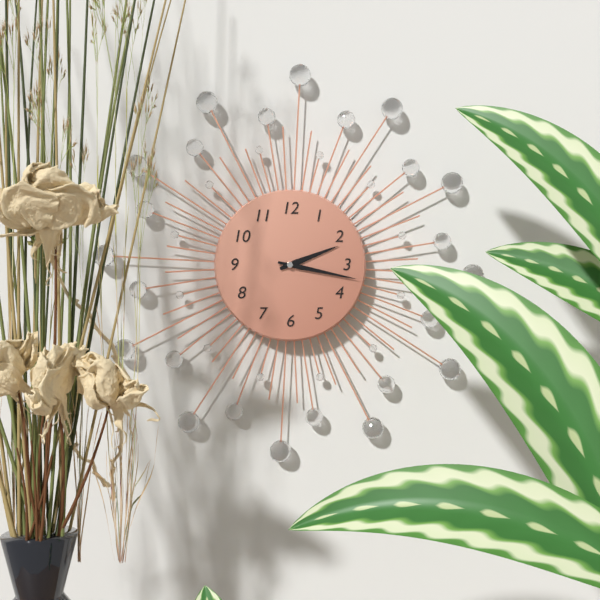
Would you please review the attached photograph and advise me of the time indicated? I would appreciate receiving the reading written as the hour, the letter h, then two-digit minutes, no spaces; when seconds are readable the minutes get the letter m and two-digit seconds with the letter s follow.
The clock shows 2h17
